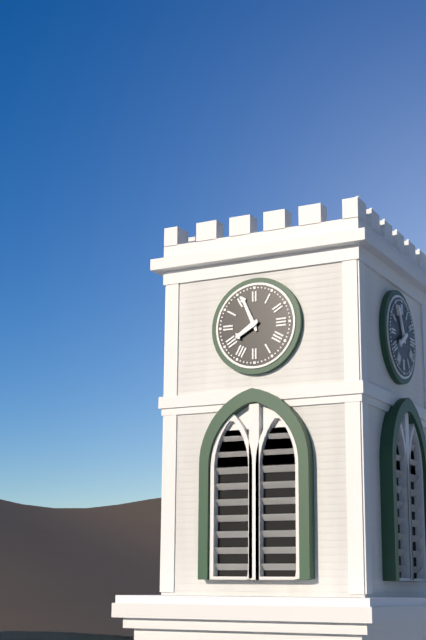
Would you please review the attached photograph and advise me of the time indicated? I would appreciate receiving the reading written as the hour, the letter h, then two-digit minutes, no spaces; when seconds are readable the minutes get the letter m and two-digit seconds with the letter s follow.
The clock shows 7h56
